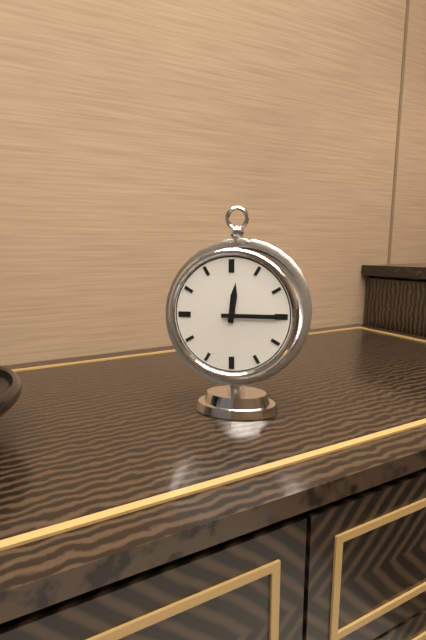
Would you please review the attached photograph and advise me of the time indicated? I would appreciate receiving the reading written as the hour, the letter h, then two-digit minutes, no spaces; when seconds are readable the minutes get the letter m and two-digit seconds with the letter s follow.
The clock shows 12h15
